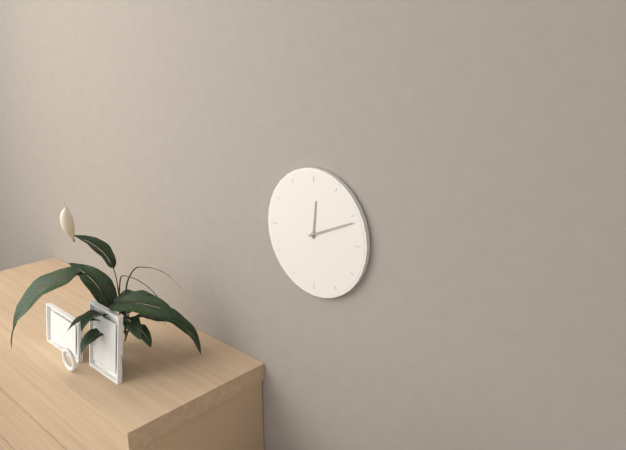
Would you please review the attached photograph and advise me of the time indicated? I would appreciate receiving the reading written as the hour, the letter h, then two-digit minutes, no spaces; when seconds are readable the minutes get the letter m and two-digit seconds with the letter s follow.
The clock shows 12h11
